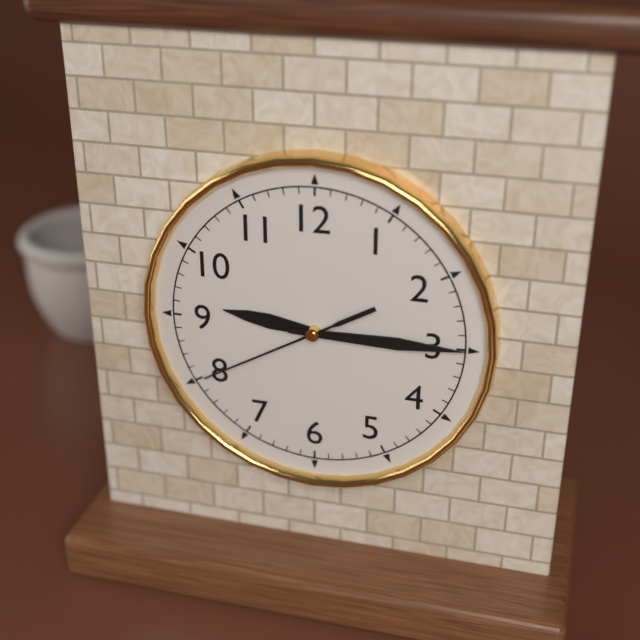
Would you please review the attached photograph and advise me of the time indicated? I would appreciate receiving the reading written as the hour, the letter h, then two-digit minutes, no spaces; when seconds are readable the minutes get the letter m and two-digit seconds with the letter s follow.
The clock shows 9h15m40s
